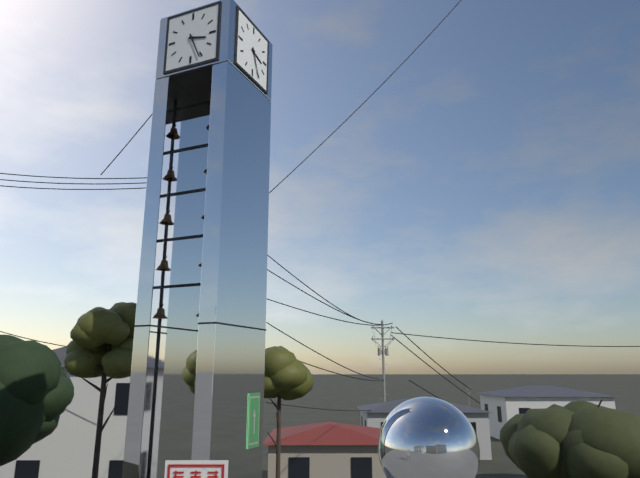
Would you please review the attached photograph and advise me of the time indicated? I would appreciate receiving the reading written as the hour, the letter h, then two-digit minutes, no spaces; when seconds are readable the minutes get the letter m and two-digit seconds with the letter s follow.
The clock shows 3h26
